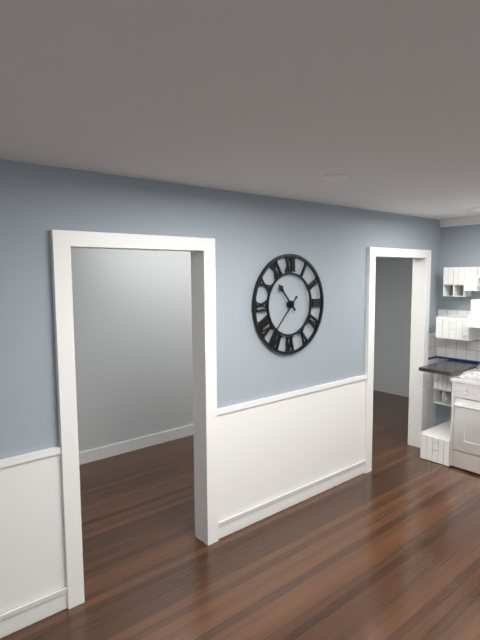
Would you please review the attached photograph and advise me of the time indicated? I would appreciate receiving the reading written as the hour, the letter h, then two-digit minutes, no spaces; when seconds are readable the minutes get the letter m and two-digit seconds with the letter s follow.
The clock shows 10h37
